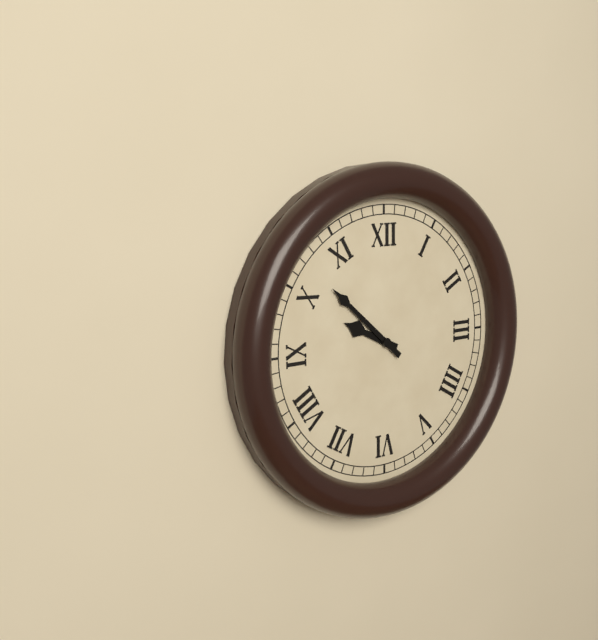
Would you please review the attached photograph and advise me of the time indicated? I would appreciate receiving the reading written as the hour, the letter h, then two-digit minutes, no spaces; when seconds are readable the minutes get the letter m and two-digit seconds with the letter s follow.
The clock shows 9h52
